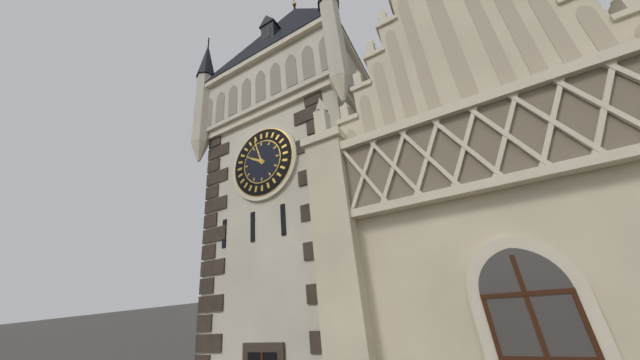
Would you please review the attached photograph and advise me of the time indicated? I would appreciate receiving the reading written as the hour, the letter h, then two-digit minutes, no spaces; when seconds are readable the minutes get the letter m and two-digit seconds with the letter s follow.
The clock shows 9h57
